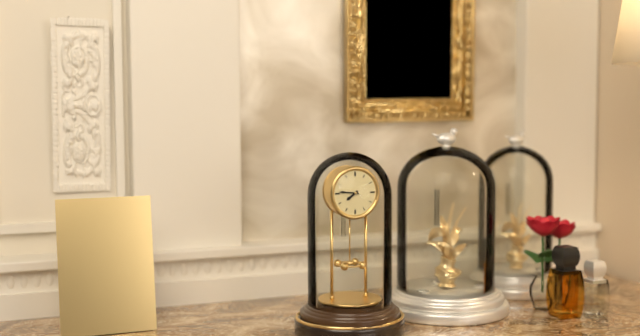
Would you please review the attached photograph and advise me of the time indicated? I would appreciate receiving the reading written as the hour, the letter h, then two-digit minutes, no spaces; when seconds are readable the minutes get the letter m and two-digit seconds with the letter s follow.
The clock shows 7h46
